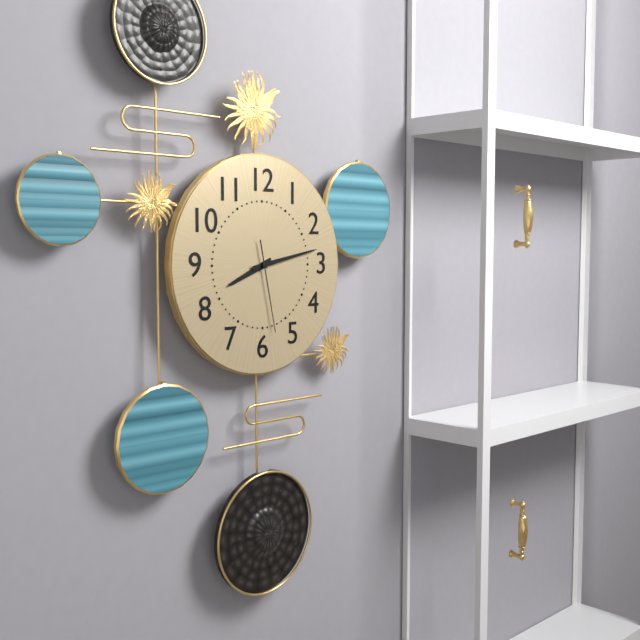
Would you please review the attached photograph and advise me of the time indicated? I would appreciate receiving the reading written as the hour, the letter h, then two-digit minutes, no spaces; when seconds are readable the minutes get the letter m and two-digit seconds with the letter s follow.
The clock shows 8h13m28s
